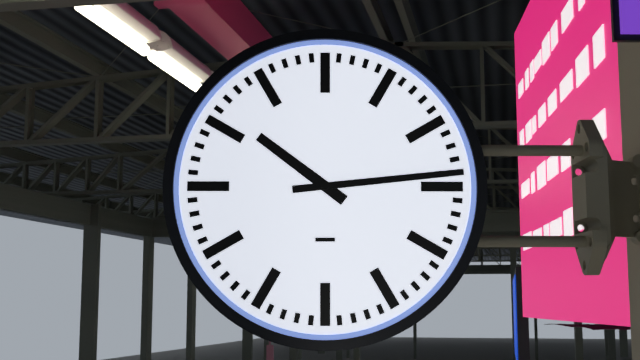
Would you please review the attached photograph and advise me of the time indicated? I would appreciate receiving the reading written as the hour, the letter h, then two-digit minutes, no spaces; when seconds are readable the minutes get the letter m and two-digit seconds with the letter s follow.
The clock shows 10h14
